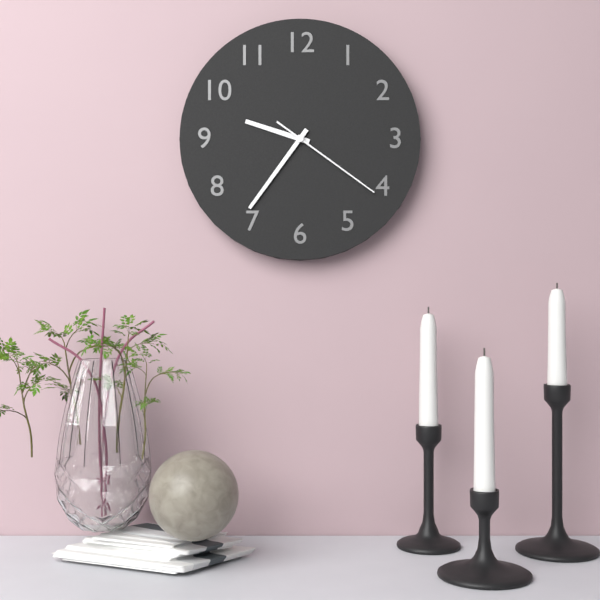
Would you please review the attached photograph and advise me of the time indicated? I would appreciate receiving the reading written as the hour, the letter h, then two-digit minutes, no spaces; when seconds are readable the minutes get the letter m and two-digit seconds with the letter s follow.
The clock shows 9h36m21s
